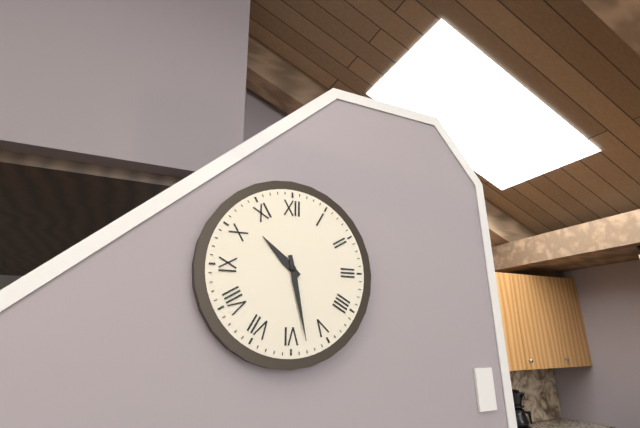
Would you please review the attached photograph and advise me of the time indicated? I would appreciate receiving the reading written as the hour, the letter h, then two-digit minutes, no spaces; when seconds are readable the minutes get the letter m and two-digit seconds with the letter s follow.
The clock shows 10h28
